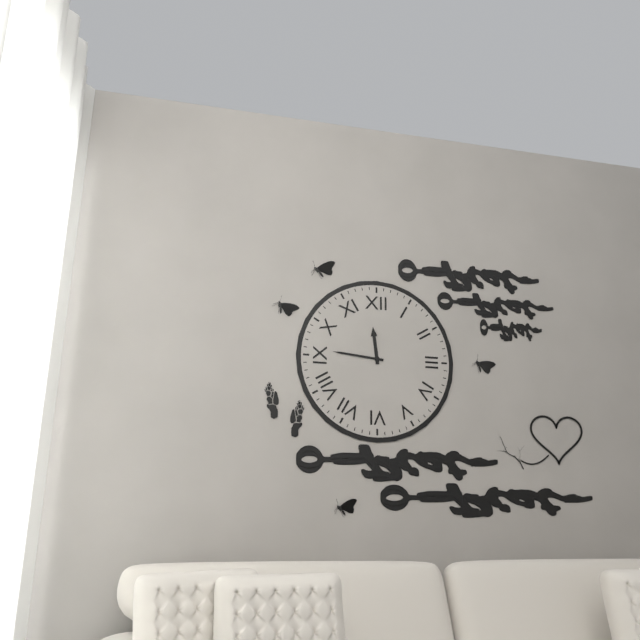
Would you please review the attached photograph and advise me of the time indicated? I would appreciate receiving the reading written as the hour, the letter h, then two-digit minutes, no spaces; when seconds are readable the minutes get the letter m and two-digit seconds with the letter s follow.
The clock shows 11h46
